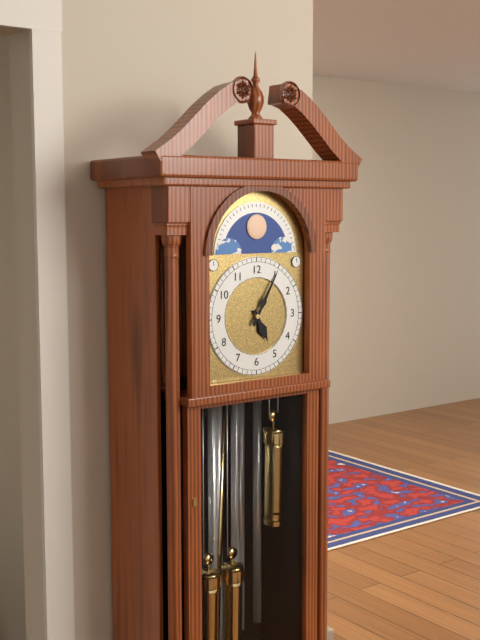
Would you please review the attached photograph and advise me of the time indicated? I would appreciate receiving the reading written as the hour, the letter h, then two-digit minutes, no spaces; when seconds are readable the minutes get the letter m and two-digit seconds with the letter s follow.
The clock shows 5h05
